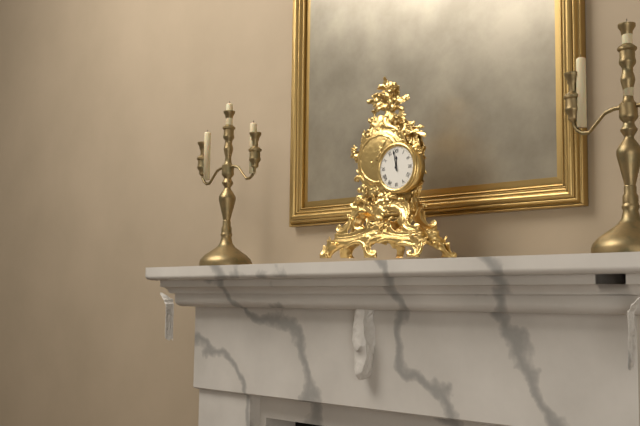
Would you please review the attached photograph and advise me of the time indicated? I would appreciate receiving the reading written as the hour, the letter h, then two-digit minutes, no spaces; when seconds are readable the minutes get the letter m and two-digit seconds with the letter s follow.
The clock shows 11h58
